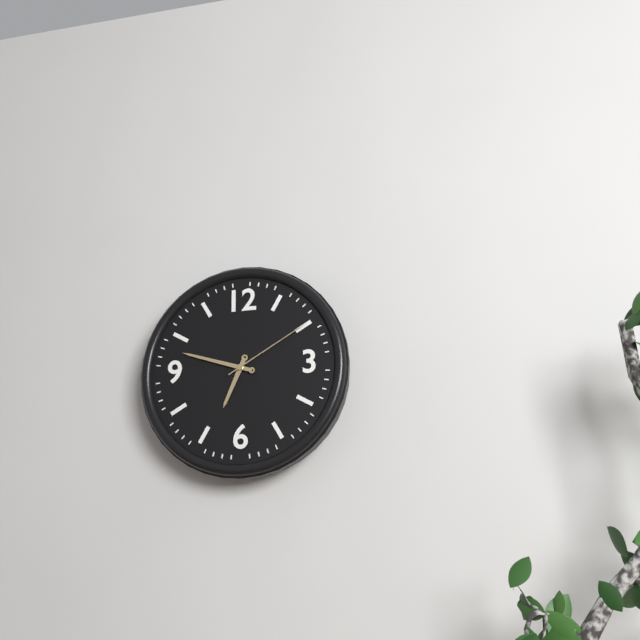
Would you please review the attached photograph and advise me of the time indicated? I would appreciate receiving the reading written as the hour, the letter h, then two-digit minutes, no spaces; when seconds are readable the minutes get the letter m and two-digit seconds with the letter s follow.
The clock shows 6h48m10s
